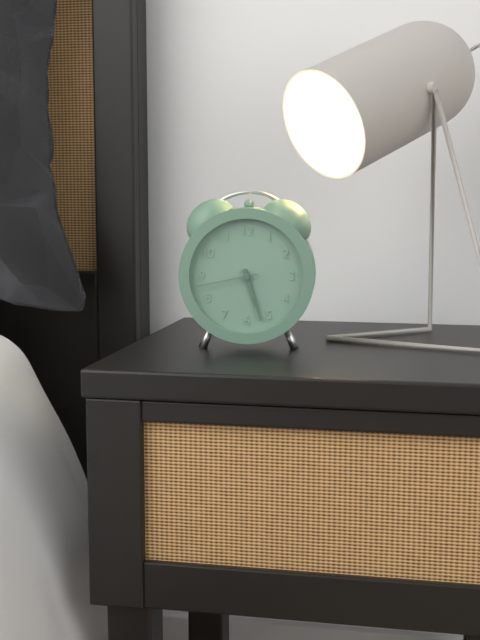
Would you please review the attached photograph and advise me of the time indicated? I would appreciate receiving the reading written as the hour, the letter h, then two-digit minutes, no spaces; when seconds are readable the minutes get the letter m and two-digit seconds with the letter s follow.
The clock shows 5h27m43s
